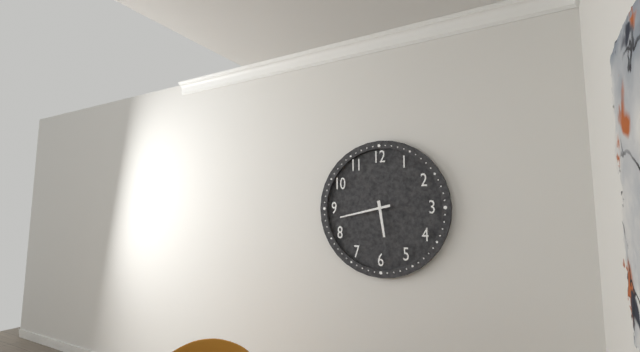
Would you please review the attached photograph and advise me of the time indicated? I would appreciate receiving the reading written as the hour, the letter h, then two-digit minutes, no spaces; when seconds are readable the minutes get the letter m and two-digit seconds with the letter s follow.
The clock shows 5h43
